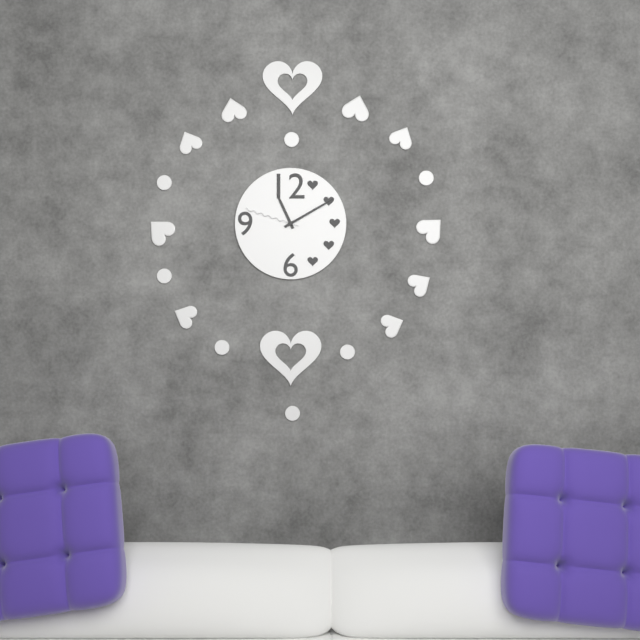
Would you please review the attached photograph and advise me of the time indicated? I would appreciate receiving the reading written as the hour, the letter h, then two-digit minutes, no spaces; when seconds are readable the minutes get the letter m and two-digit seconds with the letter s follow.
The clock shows 11h10m48s
